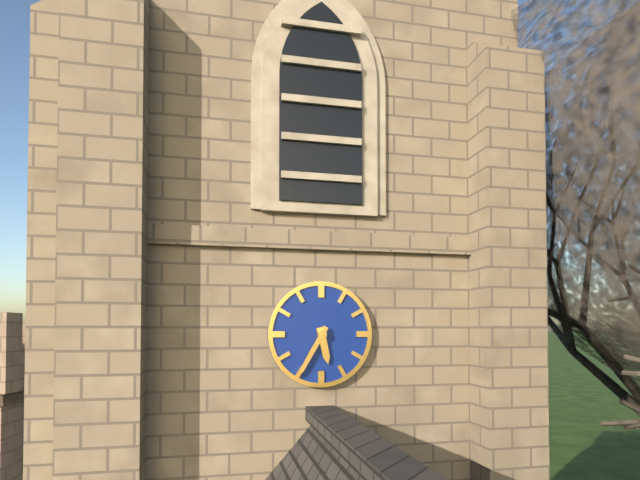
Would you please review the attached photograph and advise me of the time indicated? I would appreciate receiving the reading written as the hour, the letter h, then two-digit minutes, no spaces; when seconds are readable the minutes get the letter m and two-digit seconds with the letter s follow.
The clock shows 5h35
